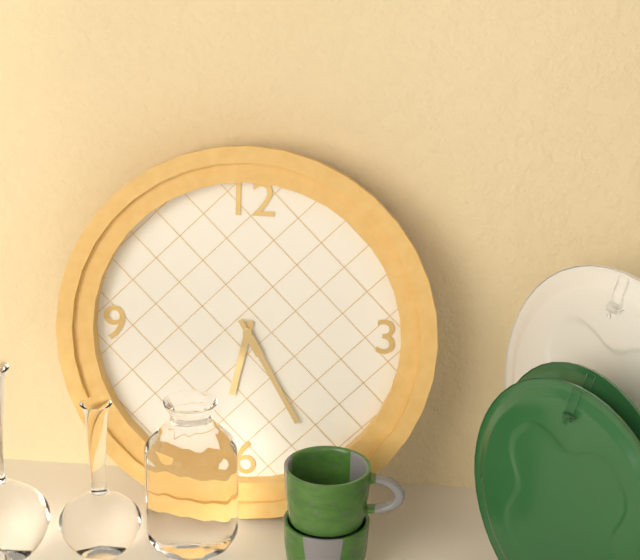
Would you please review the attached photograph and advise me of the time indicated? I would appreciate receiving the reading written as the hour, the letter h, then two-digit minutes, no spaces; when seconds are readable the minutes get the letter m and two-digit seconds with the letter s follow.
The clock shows 6h25
